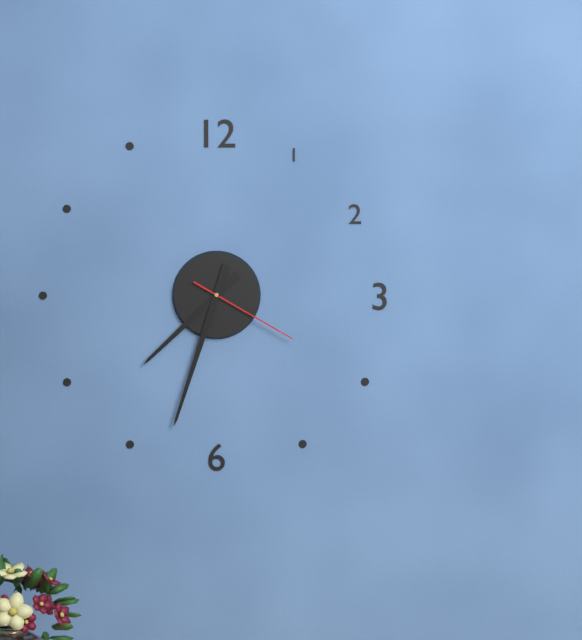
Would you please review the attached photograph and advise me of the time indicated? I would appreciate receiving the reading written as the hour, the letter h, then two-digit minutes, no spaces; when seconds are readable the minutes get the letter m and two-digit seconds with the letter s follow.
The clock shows 7h33m20s
